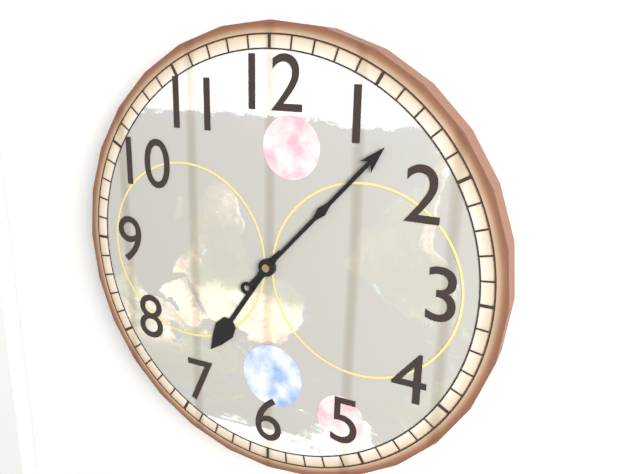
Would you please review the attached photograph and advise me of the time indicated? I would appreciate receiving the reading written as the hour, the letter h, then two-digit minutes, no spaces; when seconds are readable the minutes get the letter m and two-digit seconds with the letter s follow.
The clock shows 7h07
